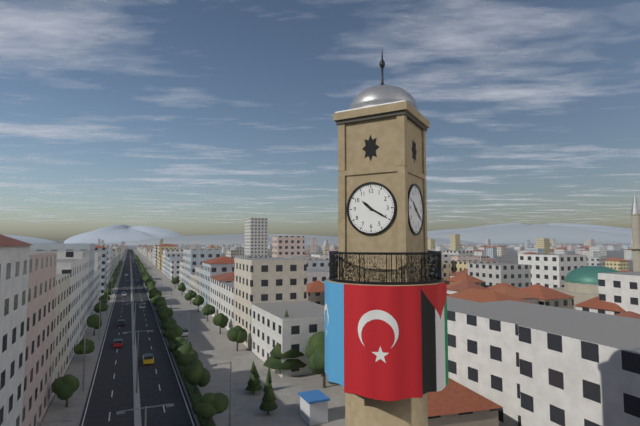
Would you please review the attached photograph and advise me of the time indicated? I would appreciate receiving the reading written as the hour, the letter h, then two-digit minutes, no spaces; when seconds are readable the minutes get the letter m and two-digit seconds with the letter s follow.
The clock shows 10h20
